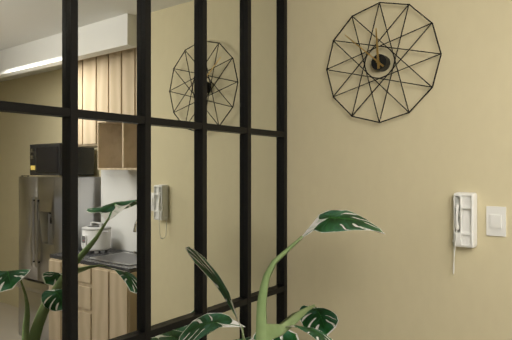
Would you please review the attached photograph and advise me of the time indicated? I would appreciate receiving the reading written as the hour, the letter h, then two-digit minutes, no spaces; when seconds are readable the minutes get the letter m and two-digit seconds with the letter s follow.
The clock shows 11h52
